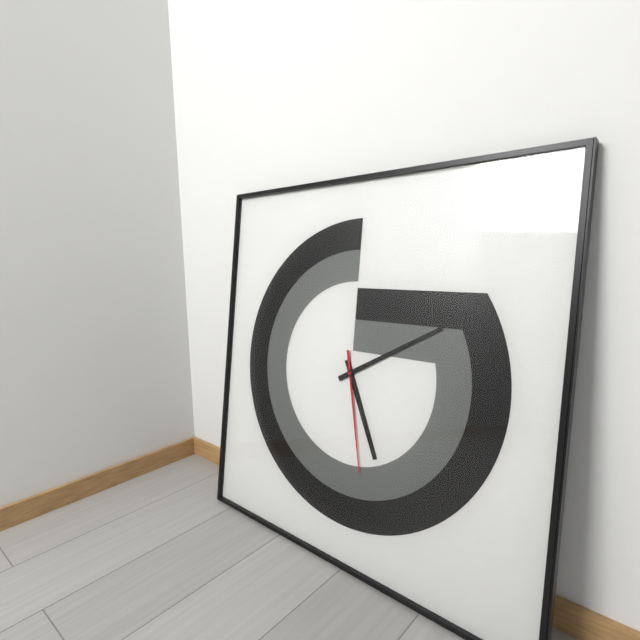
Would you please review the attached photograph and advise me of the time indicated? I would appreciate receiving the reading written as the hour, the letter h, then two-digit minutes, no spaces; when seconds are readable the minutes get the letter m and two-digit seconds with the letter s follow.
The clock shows 5h10m28s
